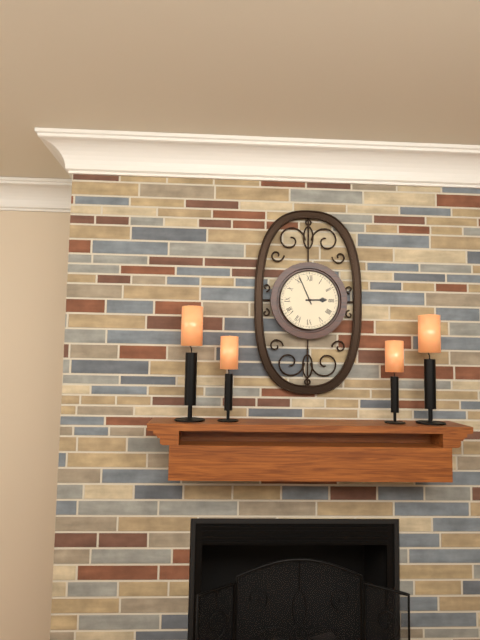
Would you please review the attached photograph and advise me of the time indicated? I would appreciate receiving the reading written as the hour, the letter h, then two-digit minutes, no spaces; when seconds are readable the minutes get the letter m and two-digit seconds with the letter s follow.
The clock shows 2h56
